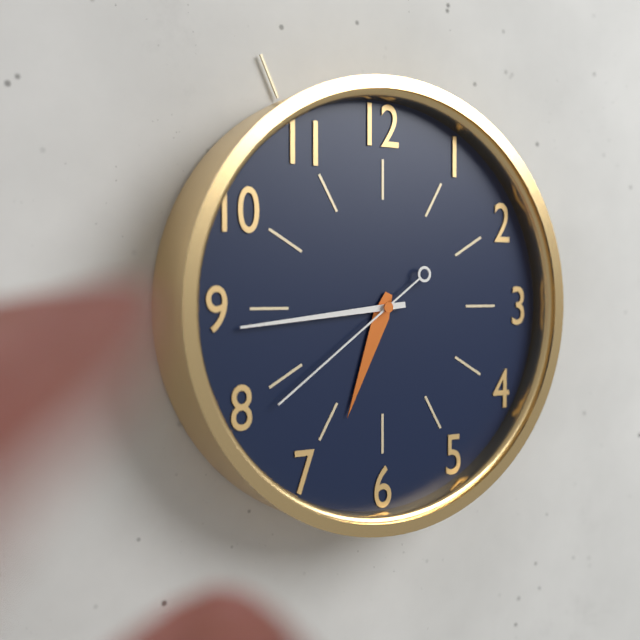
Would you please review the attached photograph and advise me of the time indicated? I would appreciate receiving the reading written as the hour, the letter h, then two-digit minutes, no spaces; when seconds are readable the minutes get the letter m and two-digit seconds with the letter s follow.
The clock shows 6h44m39s
